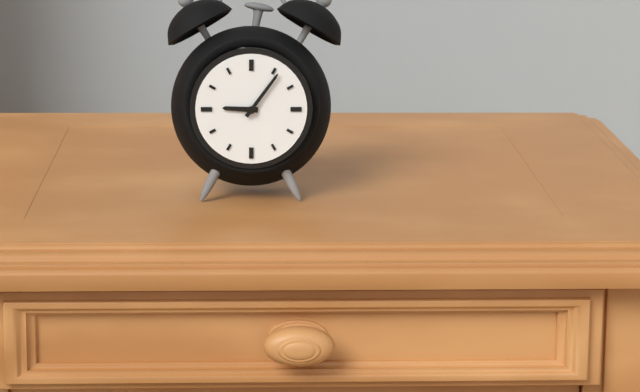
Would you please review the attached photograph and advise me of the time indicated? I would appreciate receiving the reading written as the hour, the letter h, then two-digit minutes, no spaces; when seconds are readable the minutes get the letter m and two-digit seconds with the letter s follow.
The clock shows 9h06
